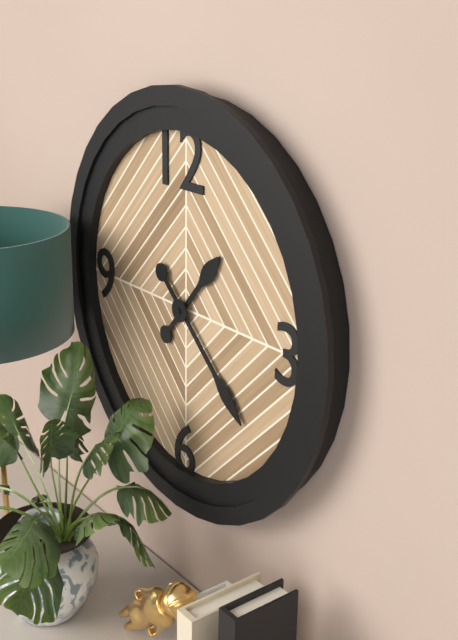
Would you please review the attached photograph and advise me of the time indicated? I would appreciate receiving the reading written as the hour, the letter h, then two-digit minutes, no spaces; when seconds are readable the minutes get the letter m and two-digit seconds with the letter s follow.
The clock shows 1h22
